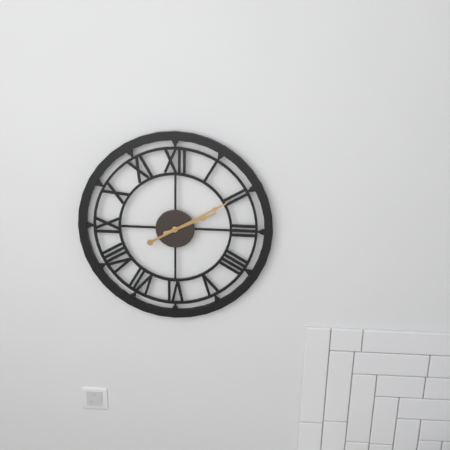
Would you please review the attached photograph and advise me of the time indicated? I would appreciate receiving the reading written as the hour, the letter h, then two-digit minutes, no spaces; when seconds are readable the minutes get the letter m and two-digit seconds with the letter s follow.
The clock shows 2h10
